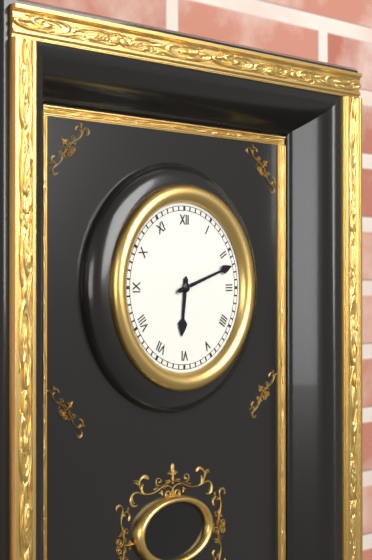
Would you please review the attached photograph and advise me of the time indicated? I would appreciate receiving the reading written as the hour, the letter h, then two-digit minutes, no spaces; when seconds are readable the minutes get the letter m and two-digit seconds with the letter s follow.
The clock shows 6h12
